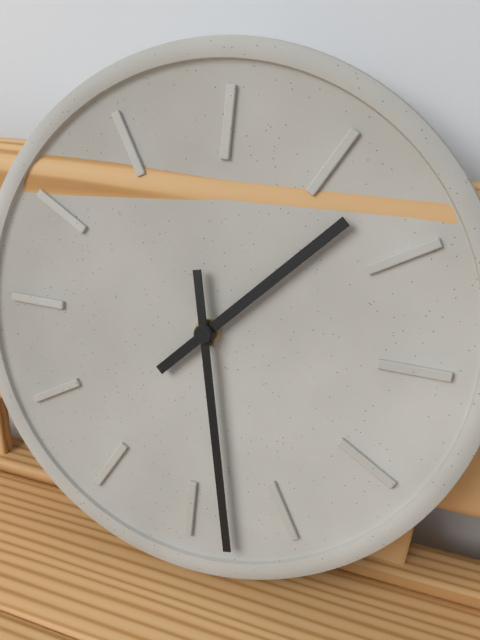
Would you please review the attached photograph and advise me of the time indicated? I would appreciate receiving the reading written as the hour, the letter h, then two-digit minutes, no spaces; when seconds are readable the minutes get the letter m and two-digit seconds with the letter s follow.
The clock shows 1h28
